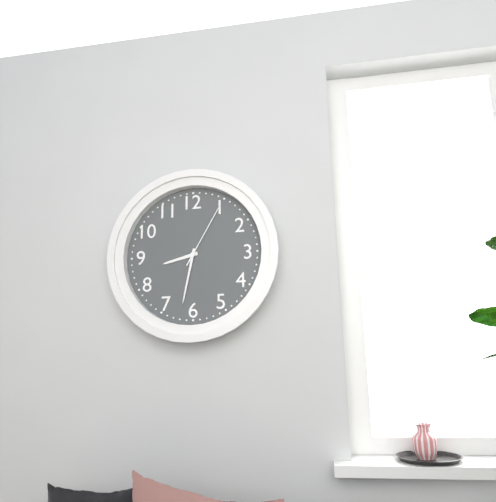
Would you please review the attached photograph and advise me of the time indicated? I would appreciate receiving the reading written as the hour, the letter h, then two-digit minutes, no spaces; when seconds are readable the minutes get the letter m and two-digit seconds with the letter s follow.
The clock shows 8h32m05s
